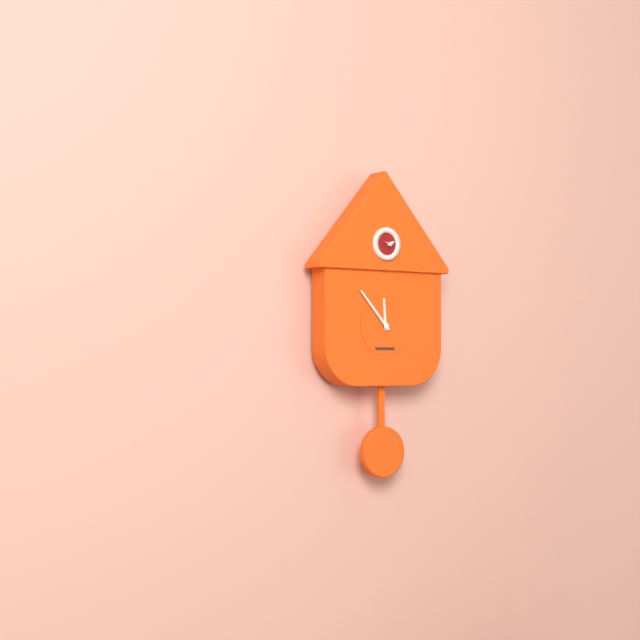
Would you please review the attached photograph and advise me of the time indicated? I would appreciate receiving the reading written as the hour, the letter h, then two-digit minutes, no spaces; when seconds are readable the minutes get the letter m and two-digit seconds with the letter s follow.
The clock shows 11h53
